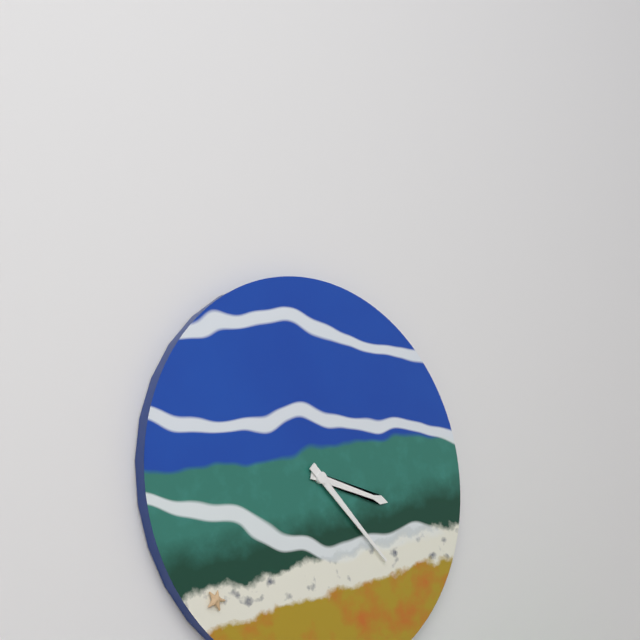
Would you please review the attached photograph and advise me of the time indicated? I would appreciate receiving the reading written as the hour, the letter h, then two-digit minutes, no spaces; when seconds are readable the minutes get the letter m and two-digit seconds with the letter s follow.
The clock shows 3h22
